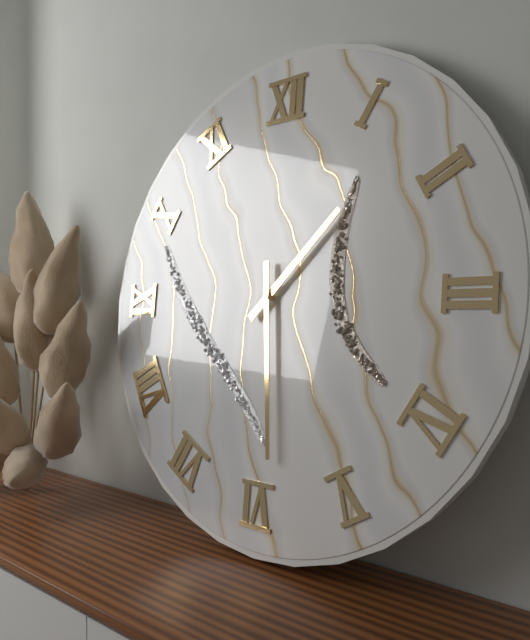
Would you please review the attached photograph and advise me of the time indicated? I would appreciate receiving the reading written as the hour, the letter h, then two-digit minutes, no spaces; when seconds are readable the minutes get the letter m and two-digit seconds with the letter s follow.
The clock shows 1h29
